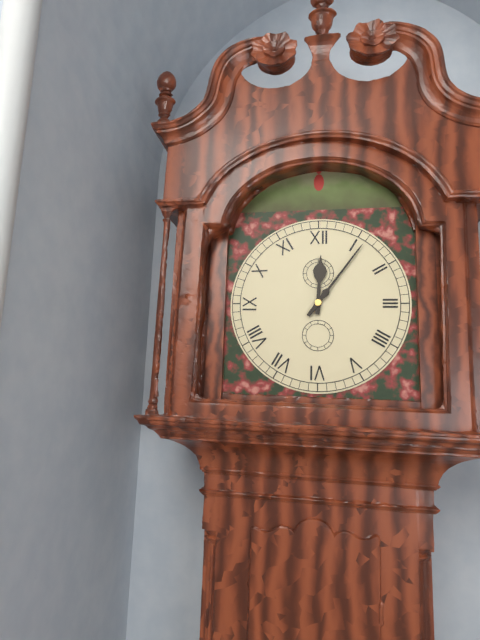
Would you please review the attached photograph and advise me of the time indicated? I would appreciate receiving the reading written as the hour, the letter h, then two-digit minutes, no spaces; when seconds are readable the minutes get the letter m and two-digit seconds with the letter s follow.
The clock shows 12h06
